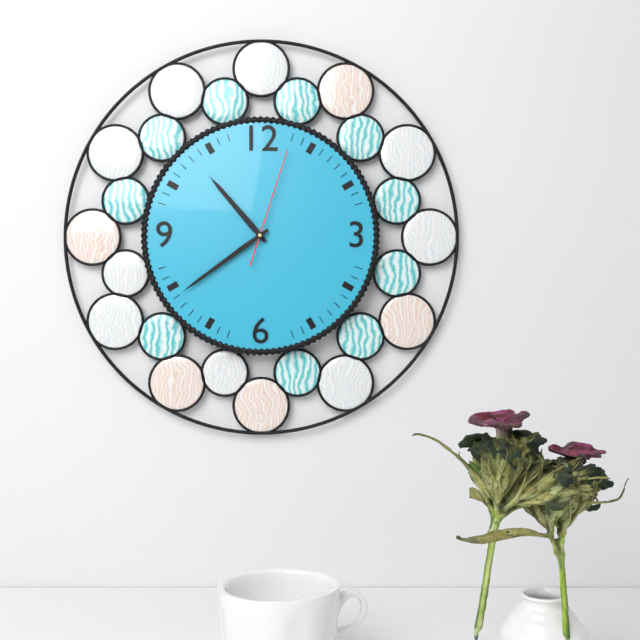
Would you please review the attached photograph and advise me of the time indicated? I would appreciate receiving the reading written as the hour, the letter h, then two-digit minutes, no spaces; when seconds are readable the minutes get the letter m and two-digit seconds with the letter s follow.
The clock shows 10h39m03s
